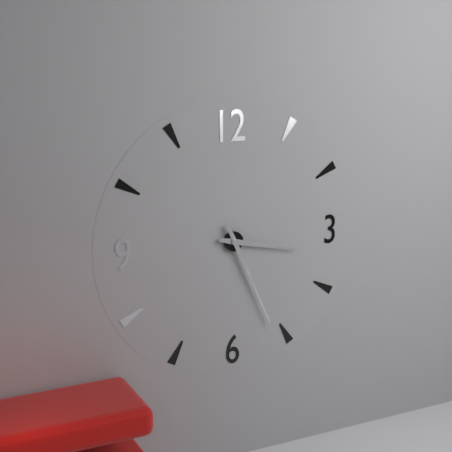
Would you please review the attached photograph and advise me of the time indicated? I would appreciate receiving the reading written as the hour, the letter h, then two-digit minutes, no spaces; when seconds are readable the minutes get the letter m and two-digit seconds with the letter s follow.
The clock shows 3h26
